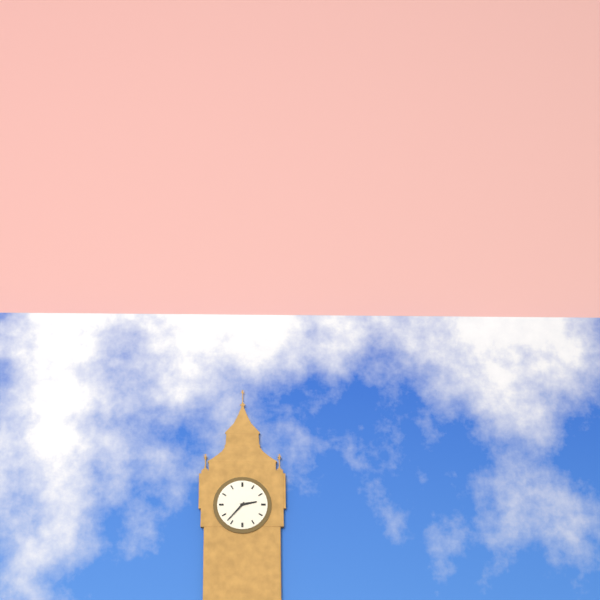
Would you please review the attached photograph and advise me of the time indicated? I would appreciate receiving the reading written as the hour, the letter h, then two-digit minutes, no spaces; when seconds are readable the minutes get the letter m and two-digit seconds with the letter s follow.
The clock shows 2h37
